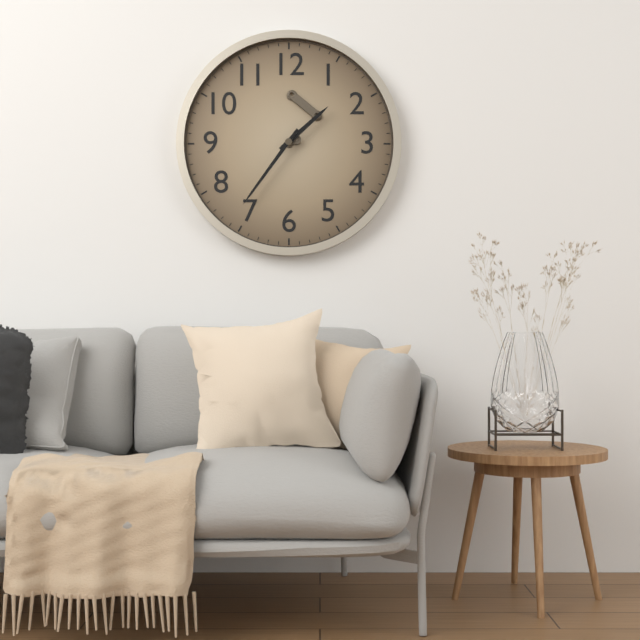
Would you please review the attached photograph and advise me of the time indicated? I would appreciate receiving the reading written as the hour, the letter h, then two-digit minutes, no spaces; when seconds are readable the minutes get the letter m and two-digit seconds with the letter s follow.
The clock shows 1h36
